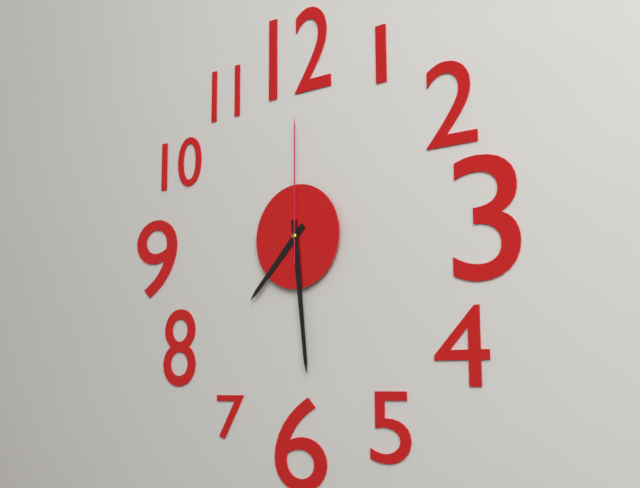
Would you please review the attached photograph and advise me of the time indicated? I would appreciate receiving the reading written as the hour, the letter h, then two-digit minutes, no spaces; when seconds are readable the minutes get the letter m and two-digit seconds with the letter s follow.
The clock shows 7h29m00s
